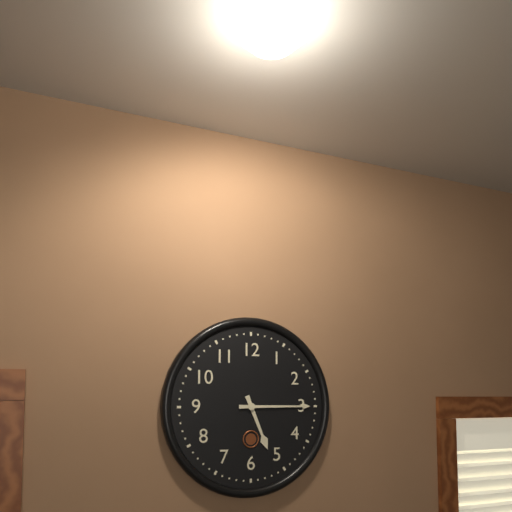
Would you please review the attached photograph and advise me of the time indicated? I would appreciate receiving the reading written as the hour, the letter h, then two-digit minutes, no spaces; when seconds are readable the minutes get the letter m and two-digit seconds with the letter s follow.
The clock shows 5h15
